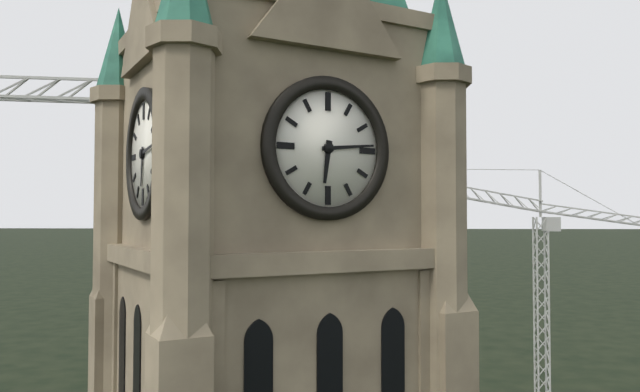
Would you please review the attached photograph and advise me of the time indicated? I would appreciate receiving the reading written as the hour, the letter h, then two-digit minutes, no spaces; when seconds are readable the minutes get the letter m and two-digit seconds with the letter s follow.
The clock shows 6h14
